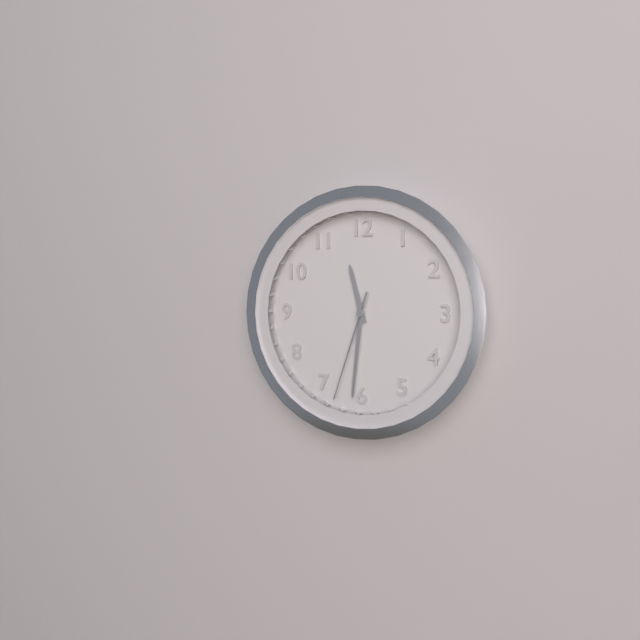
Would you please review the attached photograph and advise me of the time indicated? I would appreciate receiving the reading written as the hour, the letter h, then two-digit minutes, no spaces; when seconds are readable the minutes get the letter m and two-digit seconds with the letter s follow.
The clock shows 11h31m33s
